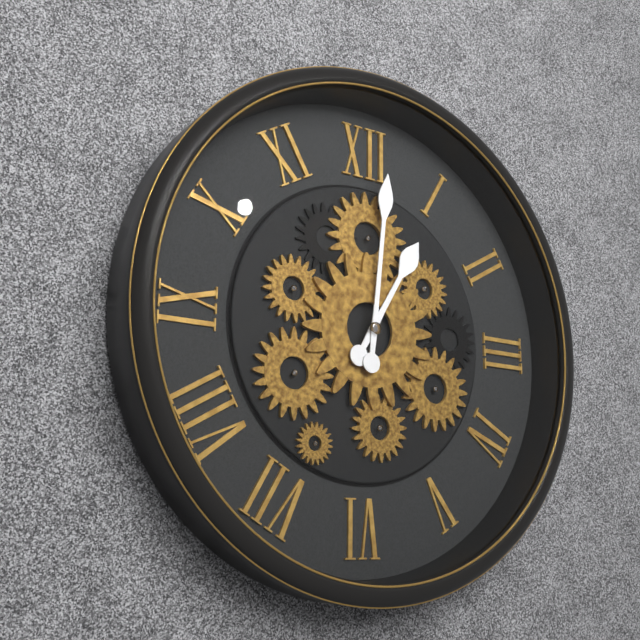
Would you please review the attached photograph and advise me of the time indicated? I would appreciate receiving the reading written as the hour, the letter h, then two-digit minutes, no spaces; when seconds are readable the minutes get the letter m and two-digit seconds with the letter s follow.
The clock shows 1h01
